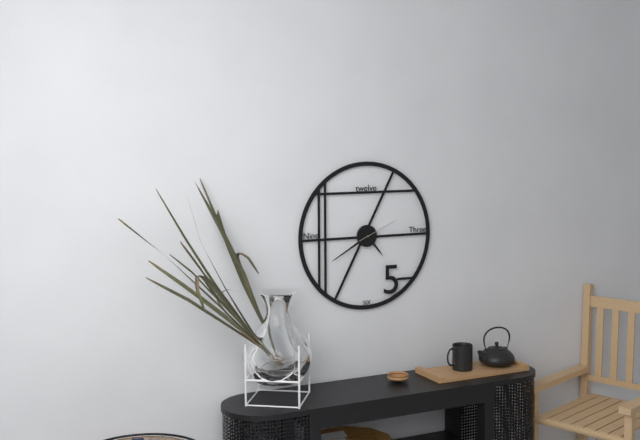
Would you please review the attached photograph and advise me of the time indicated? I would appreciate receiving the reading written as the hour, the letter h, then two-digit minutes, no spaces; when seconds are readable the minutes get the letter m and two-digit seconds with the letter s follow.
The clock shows 4h40
